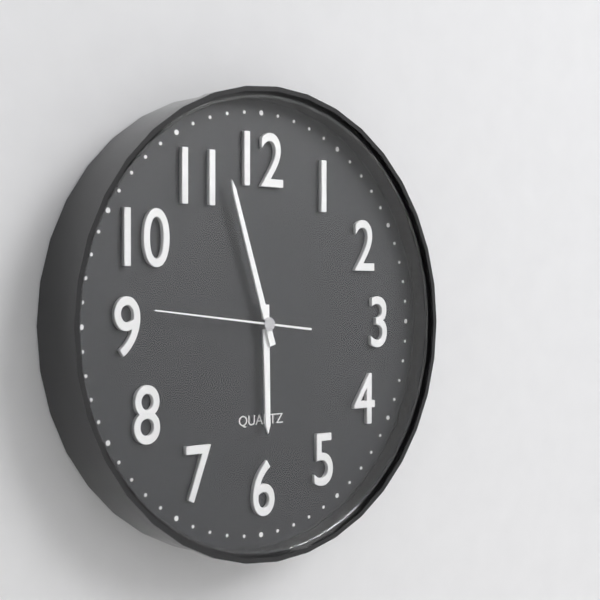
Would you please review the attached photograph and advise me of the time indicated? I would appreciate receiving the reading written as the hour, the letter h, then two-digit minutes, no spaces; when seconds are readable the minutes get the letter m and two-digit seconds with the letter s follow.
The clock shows 5h57m46s
